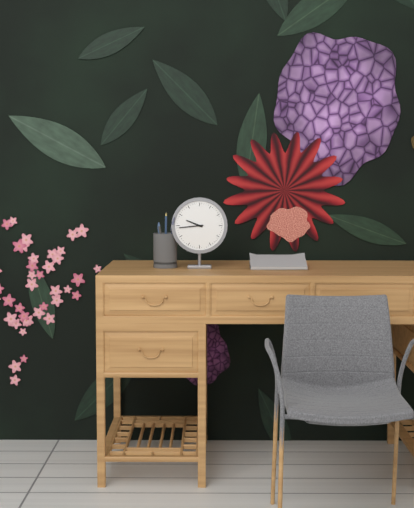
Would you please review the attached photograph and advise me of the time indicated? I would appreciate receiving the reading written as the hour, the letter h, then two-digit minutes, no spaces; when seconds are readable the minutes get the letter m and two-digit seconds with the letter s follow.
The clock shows 9h44
